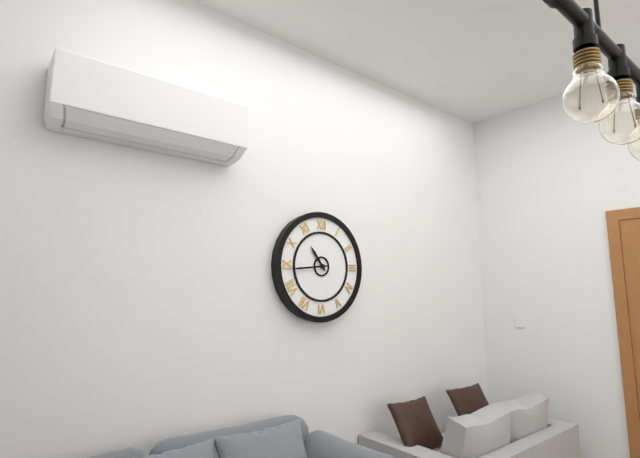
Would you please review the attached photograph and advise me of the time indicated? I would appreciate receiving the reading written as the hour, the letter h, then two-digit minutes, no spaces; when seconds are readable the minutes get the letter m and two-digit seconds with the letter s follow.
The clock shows 10h44
